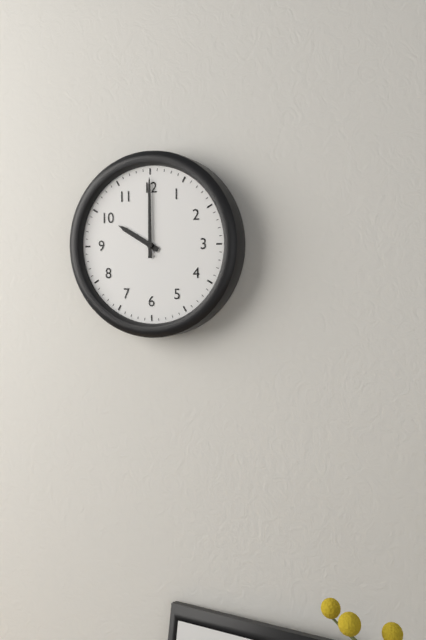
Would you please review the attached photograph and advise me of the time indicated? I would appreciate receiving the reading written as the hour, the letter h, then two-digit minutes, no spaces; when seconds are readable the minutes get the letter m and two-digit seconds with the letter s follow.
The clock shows 10h00
